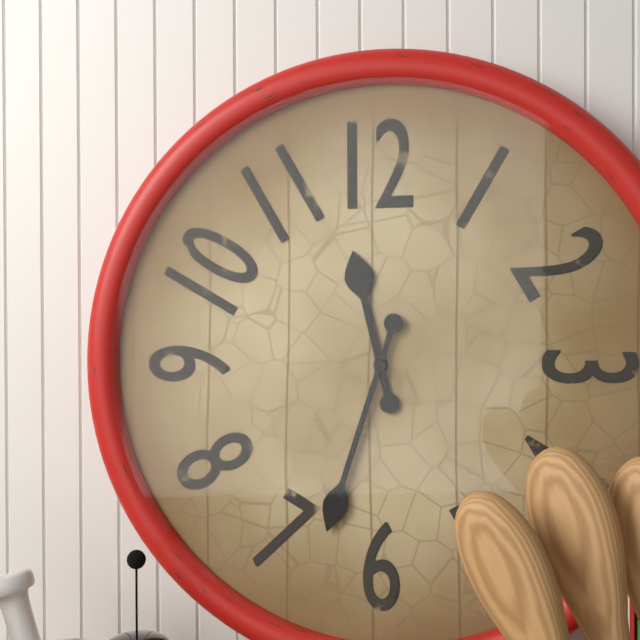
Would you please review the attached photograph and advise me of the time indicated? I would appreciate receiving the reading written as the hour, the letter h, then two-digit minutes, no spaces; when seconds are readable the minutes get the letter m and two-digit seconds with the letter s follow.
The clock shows 11h33
